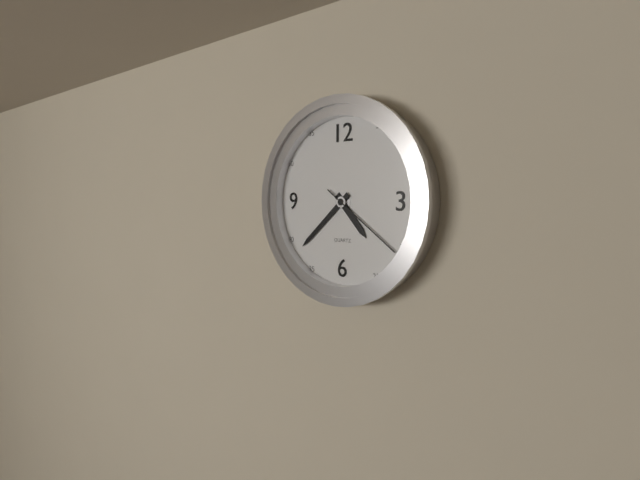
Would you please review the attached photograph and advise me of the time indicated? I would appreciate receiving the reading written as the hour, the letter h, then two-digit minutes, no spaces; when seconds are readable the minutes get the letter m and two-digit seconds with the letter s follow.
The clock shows 4h38m21s
